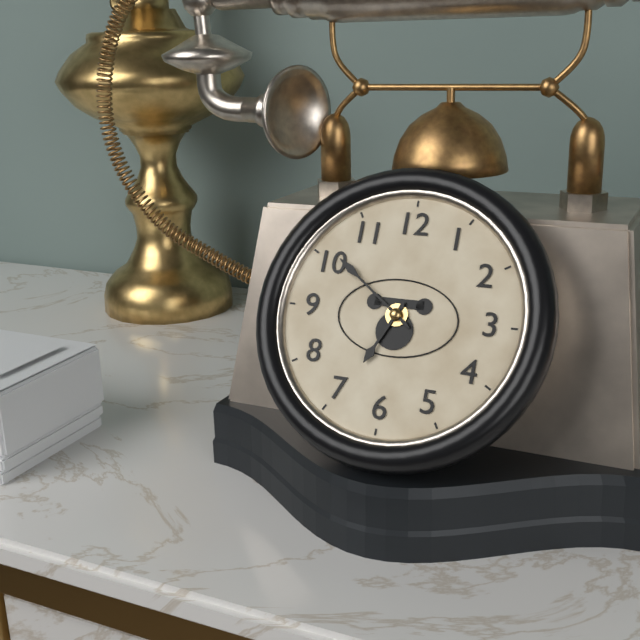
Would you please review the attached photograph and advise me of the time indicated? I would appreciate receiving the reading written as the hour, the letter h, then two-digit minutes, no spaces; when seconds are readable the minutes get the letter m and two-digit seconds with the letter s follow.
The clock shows 6h51
